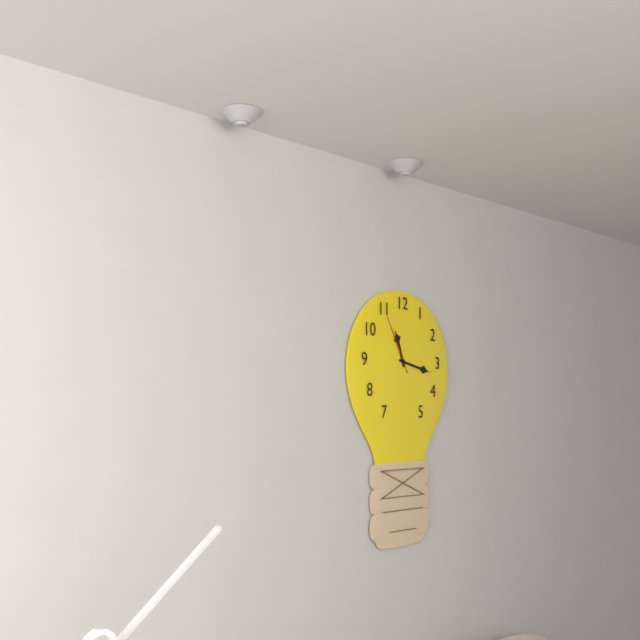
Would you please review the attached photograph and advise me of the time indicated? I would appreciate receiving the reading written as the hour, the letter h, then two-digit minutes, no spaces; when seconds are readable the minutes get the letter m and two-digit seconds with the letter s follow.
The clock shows 11h17m55s
